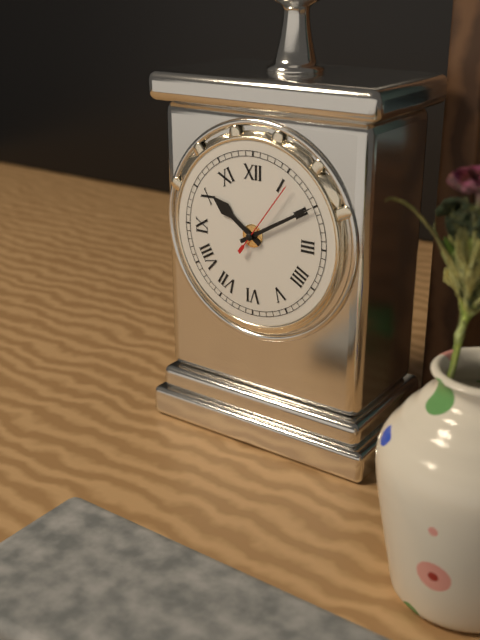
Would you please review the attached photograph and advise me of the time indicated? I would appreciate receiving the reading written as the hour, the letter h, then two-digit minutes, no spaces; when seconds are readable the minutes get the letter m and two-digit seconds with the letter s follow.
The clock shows 10h10m06s
